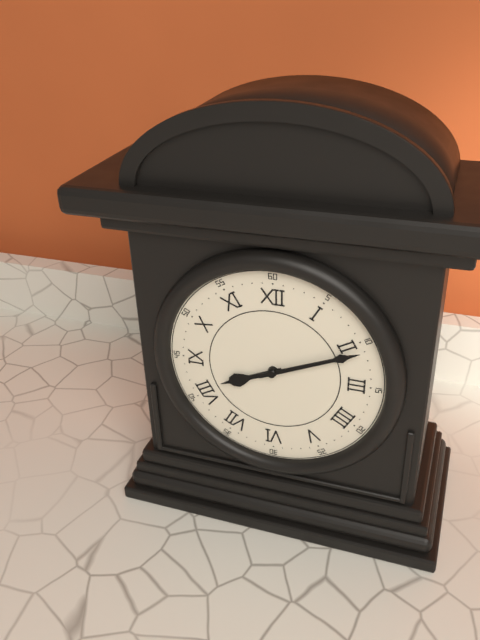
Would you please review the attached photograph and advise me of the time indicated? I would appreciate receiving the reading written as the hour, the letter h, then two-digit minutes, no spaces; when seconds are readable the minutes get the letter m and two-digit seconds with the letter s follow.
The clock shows 8h11
